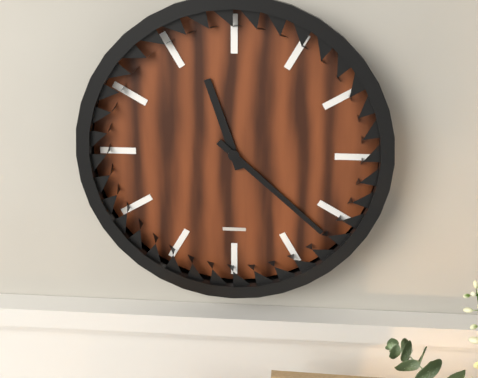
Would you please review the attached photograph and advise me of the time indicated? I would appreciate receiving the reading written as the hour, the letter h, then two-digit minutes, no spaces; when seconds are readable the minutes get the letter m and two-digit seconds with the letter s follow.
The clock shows 11h22
